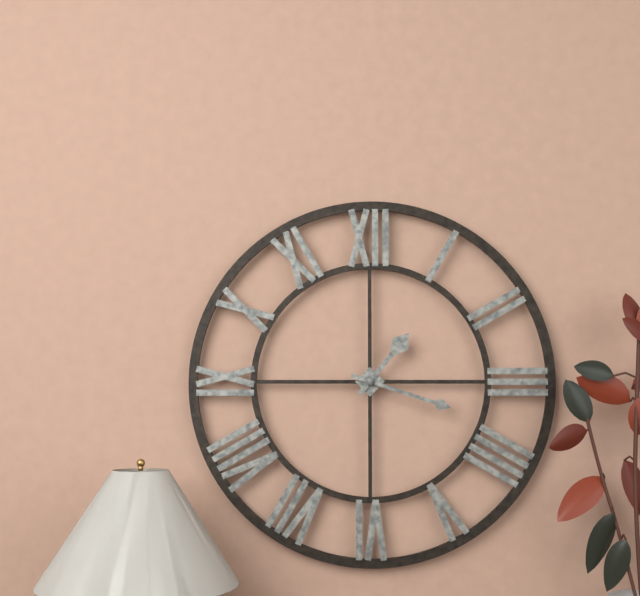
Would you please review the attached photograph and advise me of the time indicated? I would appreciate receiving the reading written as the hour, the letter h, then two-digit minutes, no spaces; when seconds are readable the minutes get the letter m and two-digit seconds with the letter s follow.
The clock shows 1h18
